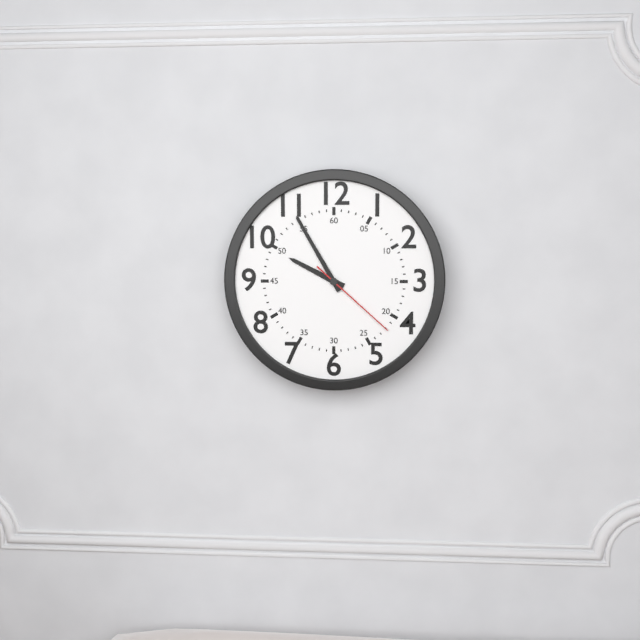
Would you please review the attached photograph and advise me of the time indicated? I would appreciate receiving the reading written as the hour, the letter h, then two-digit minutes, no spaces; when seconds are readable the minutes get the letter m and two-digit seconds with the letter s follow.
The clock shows 9h55m22s
